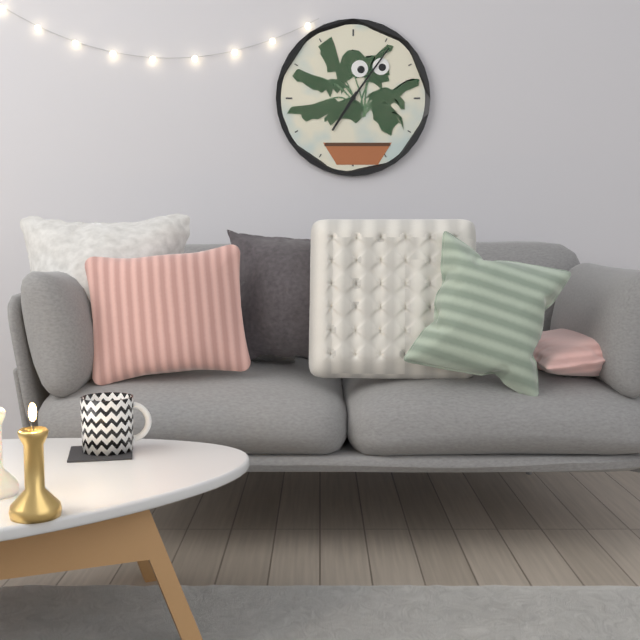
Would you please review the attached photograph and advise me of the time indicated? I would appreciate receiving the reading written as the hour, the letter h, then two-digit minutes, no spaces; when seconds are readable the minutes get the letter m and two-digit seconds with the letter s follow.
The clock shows 7h06
